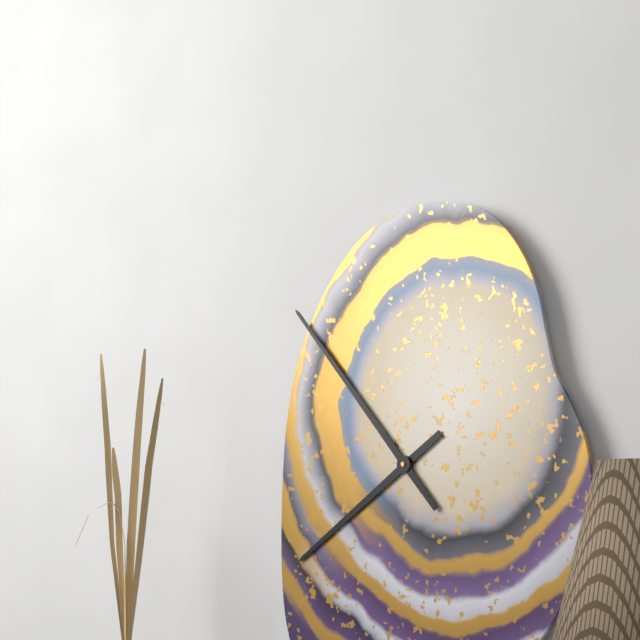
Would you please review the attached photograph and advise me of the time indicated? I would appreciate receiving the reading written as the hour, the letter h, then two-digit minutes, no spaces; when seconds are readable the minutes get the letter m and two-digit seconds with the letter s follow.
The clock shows 7h53
